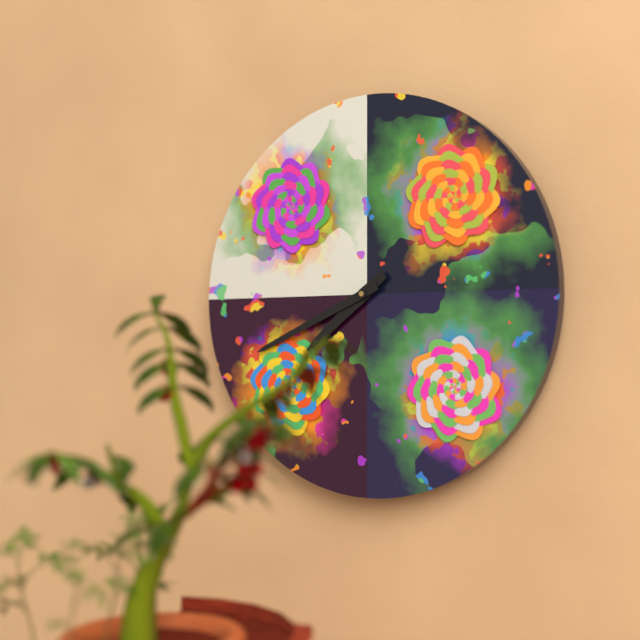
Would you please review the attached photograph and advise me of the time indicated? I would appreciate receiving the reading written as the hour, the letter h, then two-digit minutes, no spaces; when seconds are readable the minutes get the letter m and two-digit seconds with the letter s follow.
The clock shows 7h41
